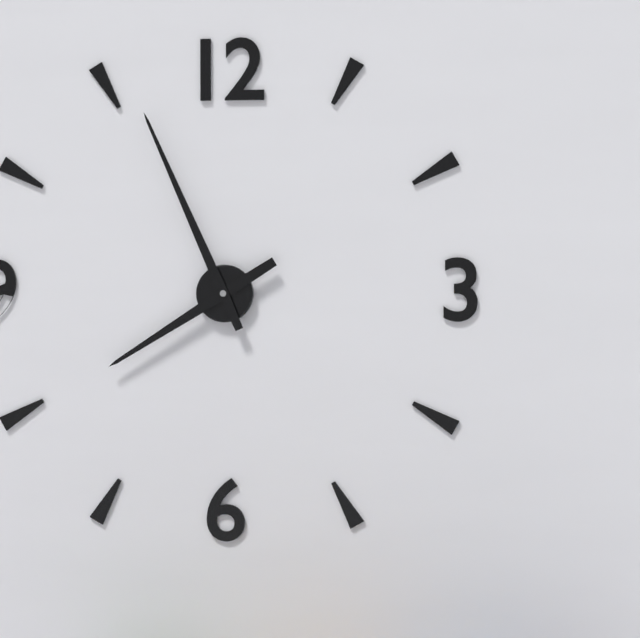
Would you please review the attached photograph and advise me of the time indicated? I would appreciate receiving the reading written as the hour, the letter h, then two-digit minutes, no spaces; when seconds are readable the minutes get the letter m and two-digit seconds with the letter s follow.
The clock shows 7h56
